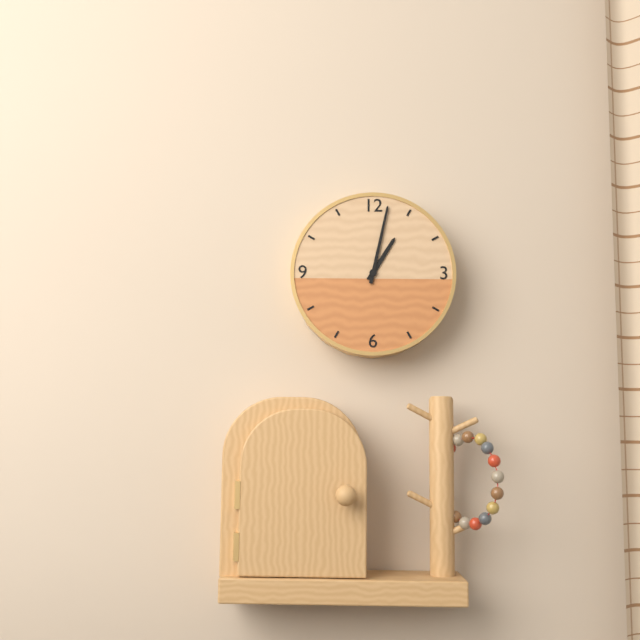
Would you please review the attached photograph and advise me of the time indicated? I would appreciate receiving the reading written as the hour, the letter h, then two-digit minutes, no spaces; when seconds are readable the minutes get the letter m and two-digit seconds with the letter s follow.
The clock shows 1h02
